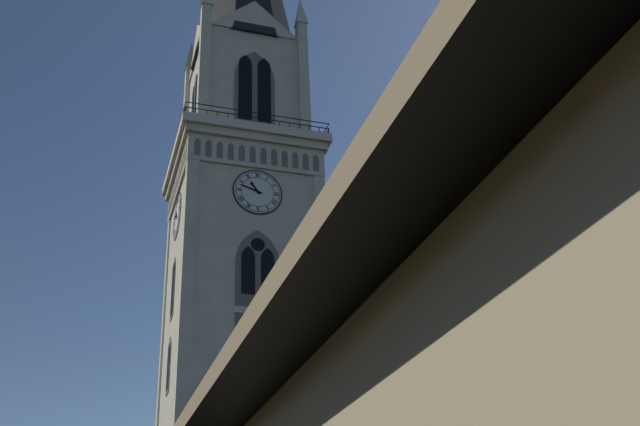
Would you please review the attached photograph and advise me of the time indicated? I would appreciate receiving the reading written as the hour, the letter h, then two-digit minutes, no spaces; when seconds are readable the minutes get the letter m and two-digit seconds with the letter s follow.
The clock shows 10h48
